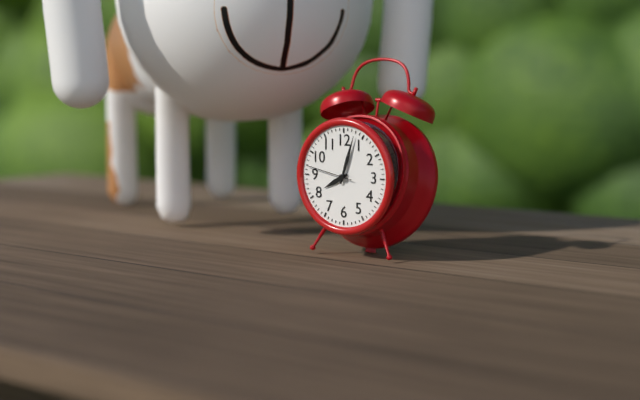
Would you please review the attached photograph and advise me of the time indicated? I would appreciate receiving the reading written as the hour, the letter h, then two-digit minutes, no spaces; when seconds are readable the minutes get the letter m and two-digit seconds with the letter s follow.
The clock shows 8h03
